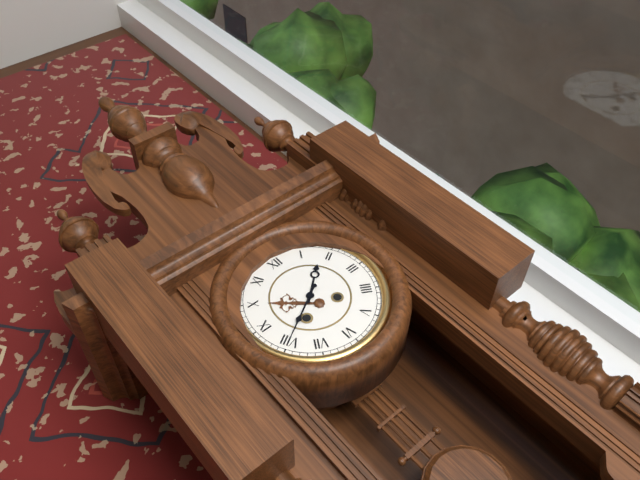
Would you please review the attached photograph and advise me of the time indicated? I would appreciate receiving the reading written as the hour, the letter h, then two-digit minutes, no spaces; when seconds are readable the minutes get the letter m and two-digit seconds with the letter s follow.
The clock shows 1h40
